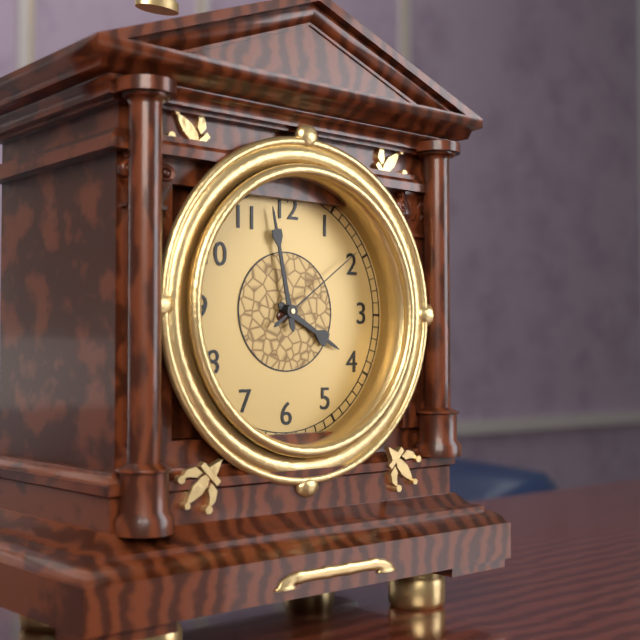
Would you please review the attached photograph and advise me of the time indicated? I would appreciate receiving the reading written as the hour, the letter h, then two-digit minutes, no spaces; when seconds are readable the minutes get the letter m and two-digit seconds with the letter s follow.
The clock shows 3h58m09s
